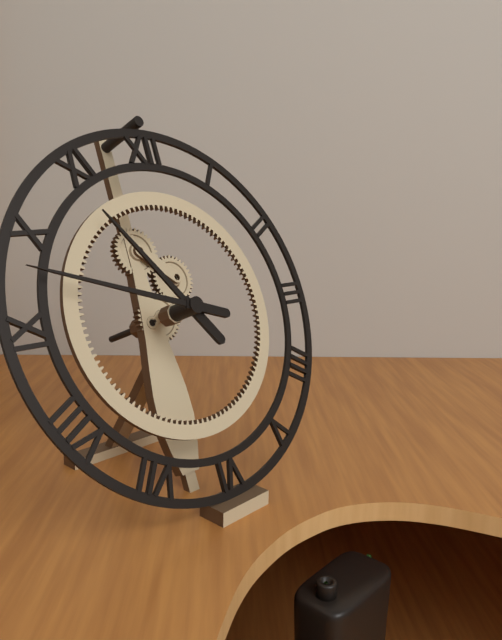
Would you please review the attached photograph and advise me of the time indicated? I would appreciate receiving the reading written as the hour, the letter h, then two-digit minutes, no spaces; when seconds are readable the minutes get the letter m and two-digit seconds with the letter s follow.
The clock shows 10h48
